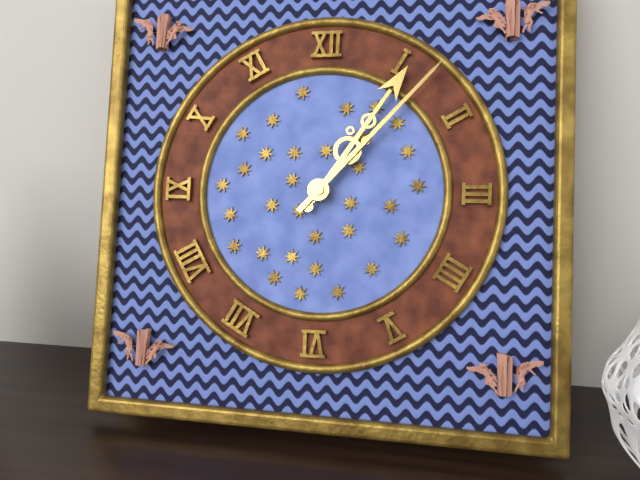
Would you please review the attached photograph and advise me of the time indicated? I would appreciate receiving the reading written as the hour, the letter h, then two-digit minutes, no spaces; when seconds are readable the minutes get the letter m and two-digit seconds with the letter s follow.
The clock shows 1h07
